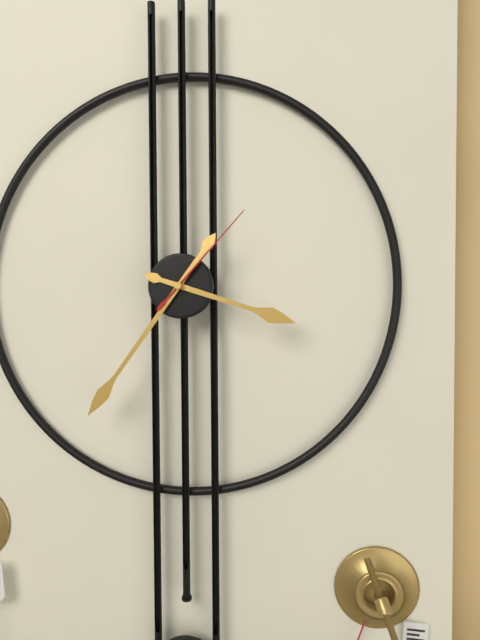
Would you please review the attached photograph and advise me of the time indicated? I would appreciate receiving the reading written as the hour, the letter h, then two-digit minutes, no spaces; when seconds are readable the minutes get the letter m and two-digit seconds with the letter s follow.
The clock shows 3h36m07s
